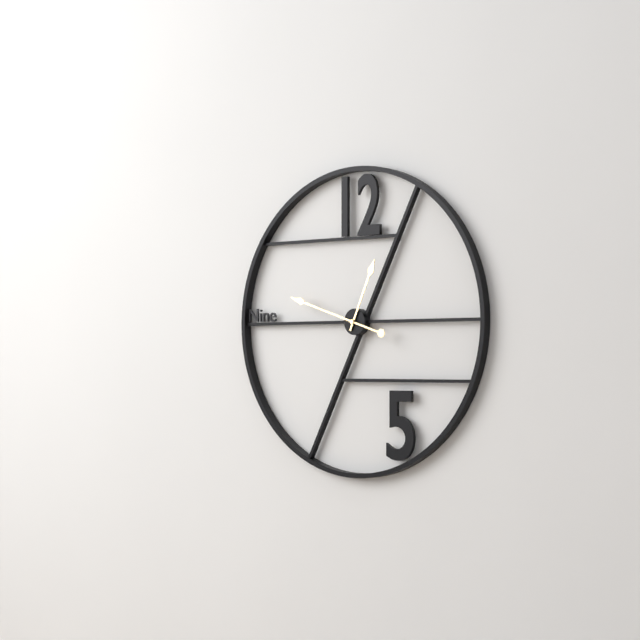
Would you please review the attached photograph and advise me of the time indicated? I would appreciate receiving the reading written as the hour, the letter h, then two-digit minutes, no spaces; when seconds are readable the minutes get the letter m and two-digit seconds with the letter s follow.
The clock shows 12h48
